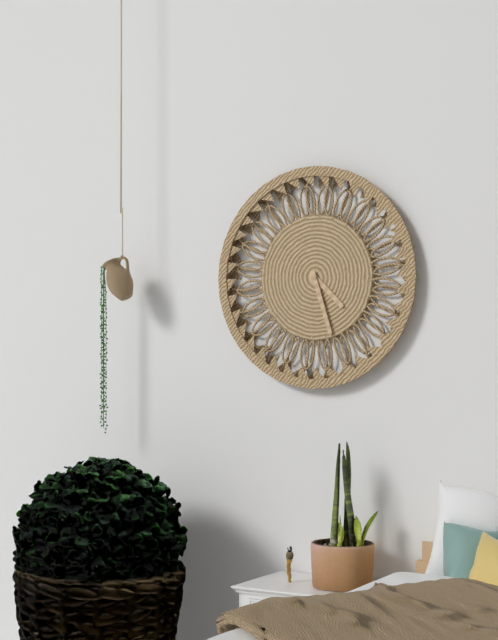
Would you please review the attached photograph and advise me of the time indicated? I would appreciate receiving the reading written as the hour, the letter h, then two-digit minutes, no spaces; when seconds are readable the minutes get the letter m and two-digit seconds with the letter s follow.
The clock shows 4h27
